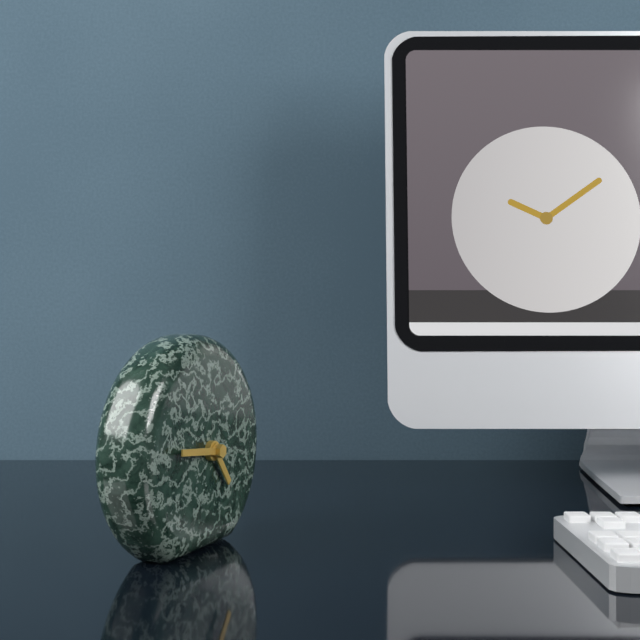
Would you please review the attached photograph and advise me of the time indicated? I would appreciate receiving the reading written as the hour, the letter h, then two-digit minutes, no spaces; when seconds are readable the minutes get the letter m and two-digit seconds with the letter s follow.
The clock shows 4h46
